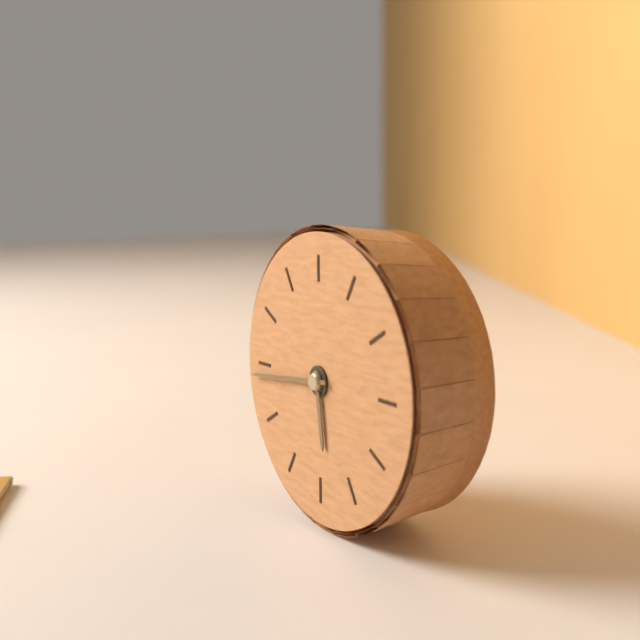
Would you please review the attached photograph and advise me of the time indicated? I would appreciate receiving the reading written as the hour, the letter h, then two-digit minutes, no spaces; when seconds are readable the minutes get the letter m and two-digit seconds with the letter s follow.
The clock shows 5h44
